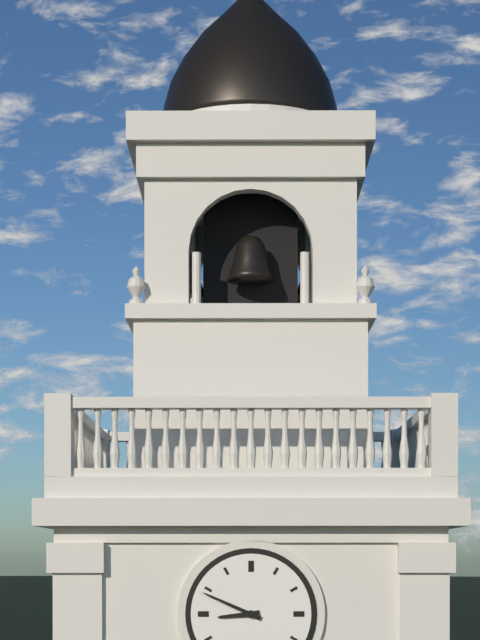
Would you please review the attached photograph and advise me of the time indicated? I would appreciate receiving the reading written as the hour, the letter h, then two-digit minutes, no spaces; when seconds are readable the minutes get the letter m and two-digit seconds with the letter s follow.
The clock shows 8h49
